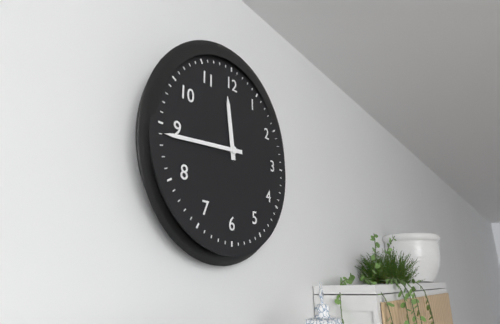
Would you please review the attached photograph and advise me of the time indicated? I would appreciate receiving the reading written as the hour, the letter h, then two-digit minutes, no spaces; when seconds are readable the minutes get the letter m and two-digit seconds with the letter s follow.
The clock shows 11h44
